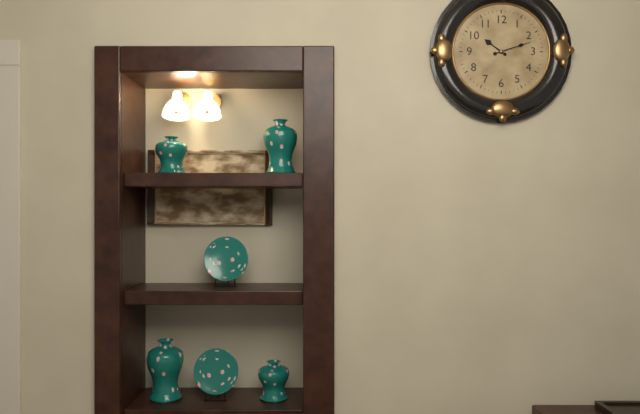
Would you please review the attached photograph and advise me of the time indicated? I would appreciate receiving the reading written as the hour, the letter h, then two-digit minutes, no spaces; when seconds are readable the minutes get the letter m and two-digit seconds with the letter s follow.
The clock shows 10h12
